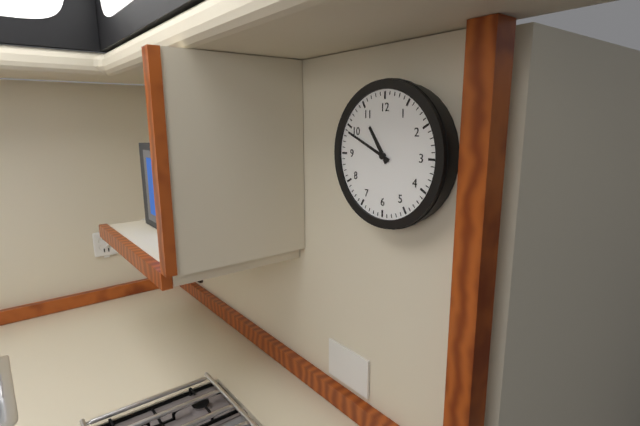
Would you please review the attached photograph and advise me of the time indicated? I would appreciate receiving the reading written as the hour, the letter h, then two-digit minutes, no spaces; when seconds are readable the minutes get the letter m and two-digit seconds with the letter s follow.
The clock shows 10h49
